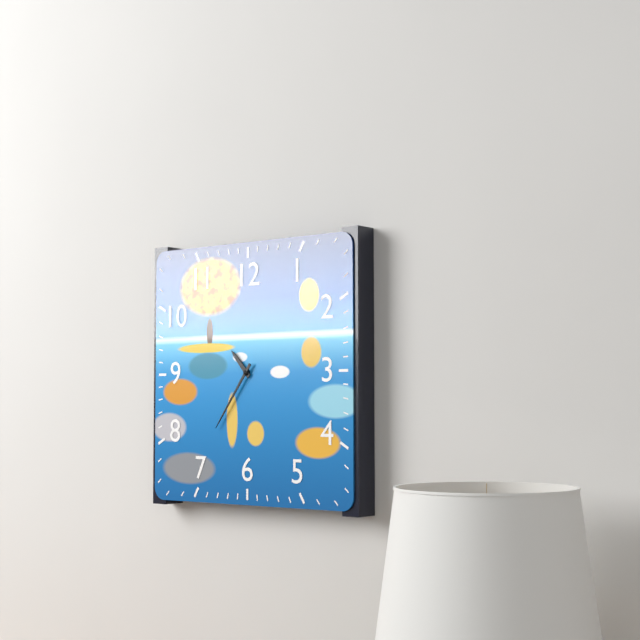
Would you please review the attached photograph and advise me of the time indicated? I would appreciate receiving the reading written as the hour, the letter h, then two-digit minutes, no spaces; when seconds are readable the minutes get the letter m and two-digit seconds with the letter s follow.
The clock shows 10h36
